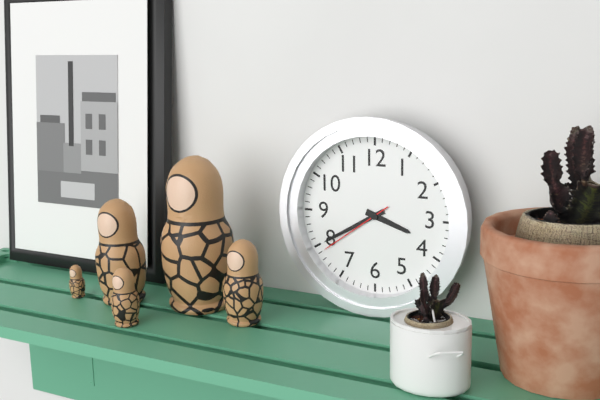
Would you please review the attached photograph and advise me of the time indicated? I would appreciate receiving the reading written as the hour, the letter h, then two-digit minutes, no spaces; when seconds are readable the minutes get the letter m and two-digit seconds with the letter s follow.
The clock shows 3h40m39s
